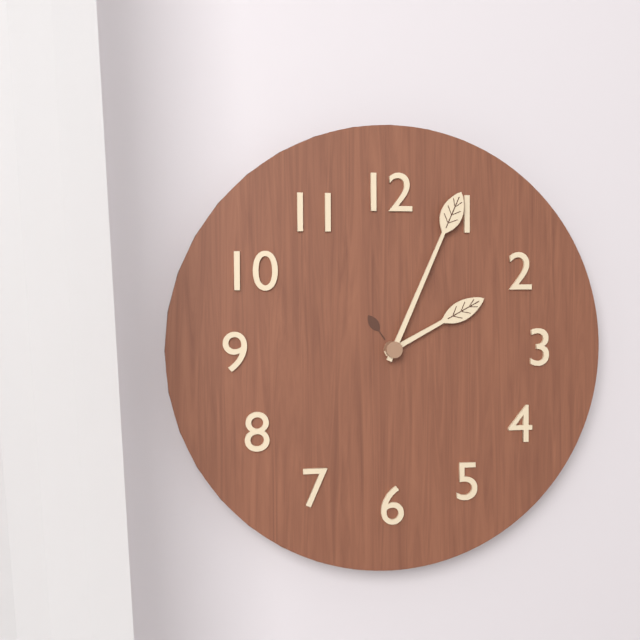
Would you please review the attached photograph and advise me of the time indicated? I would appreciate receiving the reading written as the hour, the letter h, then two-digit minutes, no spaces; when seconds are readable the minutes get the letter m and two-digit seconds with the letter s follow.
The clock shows 2h04
